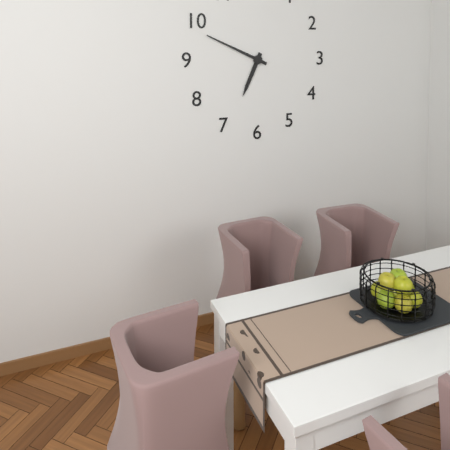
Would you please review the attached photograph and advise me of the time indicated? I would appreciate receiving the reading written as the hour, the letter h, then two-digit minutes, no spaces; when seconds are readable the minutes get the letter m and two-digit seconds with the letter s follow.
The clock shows 6h49
